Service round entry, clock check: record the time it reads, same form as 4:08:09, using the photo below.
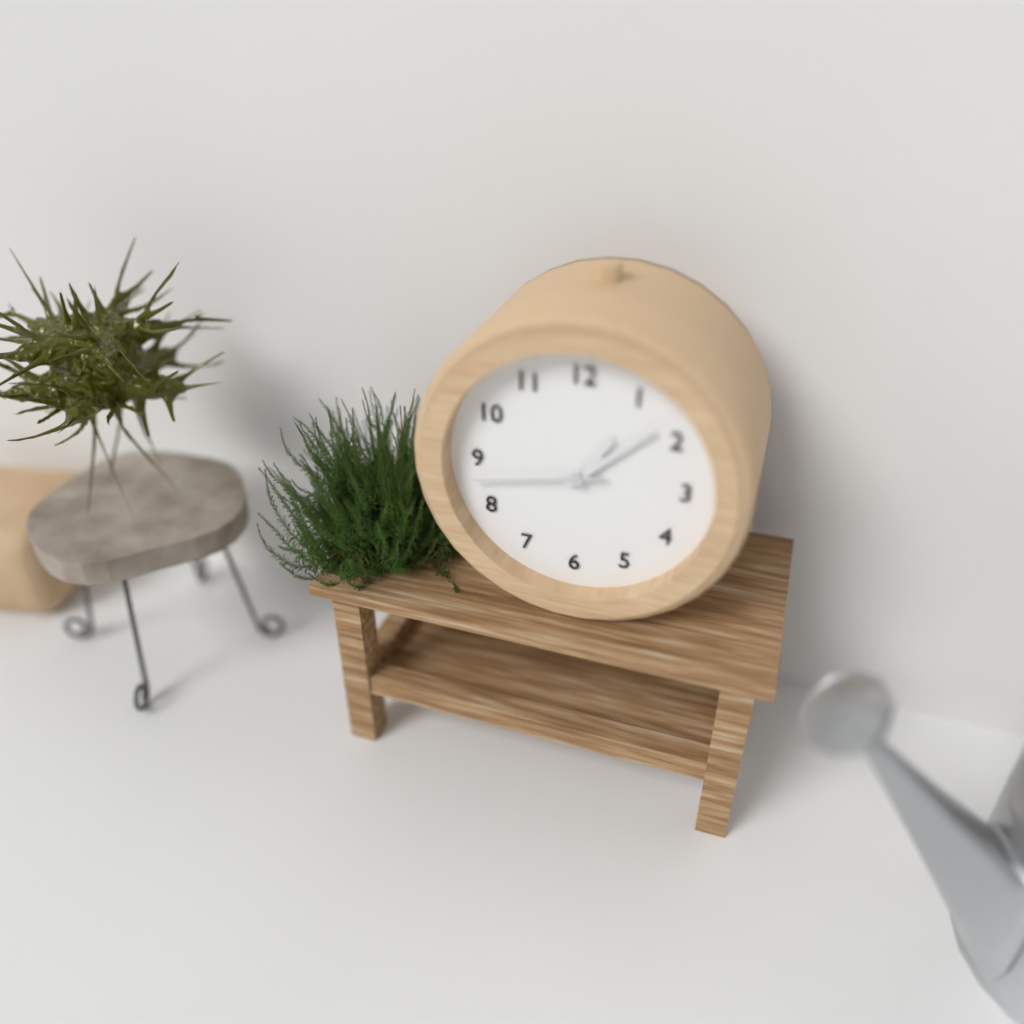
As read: 1:08:43
